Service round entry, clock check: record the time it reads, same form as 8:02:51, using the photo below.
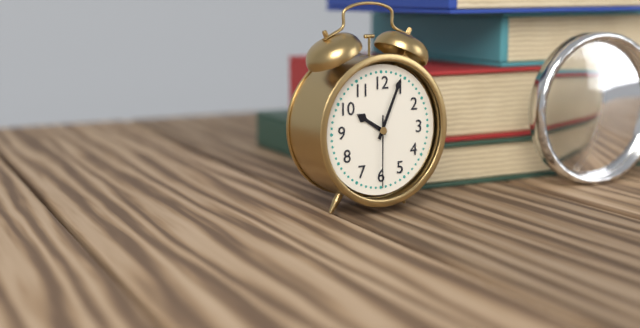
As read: 10:04:30
